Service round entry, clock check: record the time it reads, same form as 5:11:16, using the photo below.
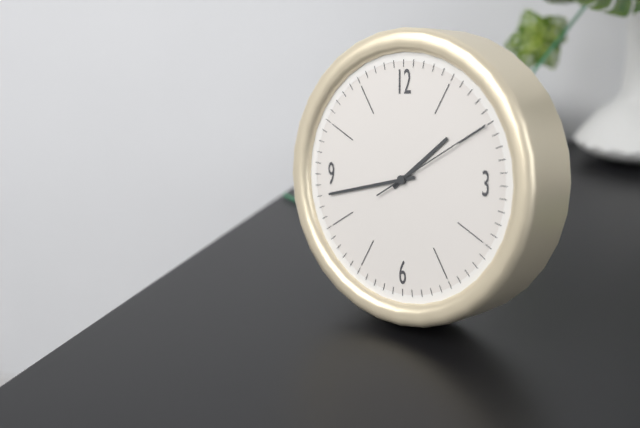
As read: 1:43:10
